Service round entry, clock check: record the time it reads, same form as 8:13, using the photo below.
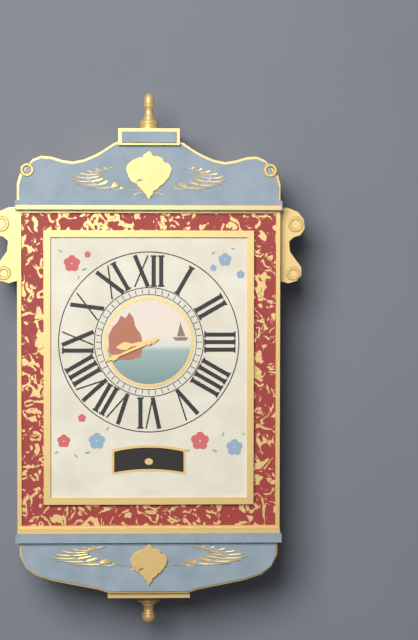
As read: 8:41
